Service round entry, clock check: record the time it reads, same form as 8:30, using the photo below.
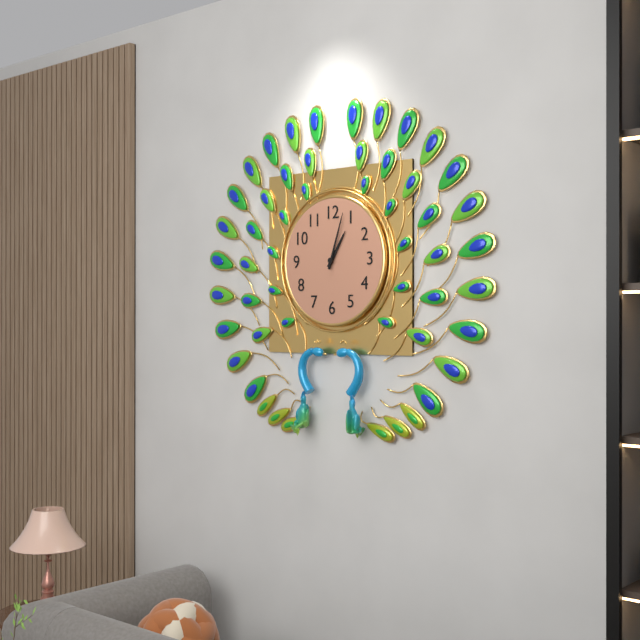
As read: 1:03
